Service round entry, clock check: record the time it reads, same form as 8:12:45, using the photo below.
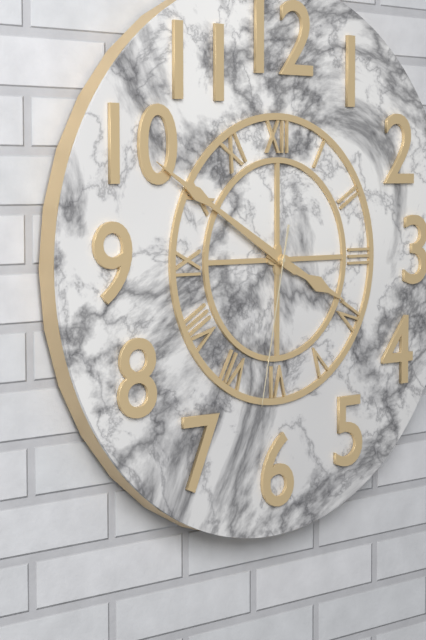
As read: 3:50:32
